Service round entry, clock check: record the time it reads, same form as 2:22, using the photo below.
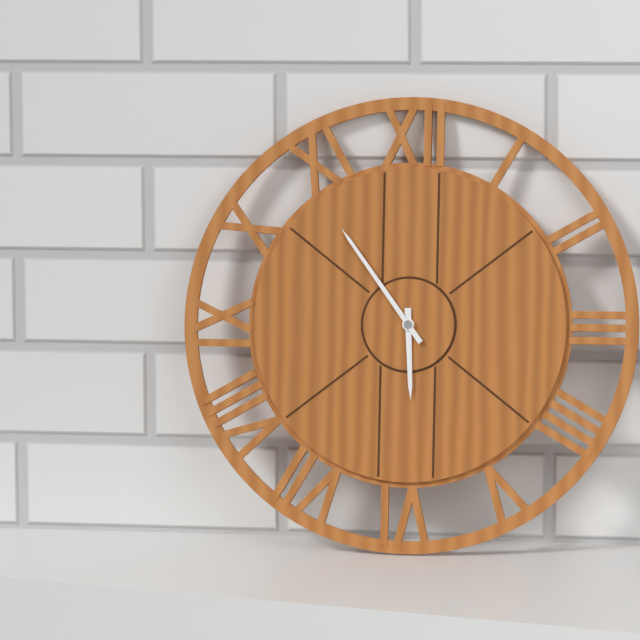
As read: 5:54
